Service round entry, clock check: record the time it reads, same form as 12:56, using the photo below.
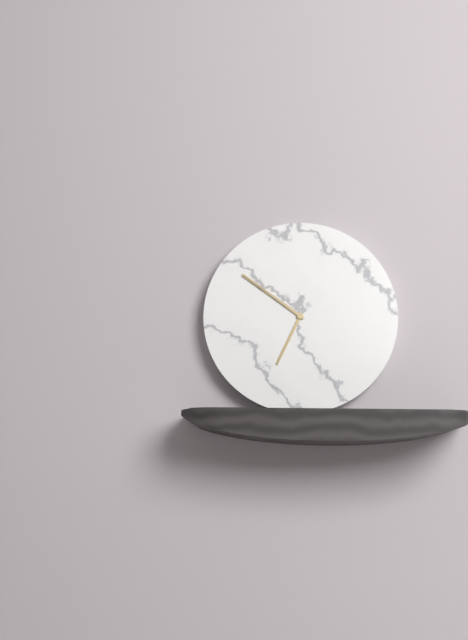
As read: 6:51
